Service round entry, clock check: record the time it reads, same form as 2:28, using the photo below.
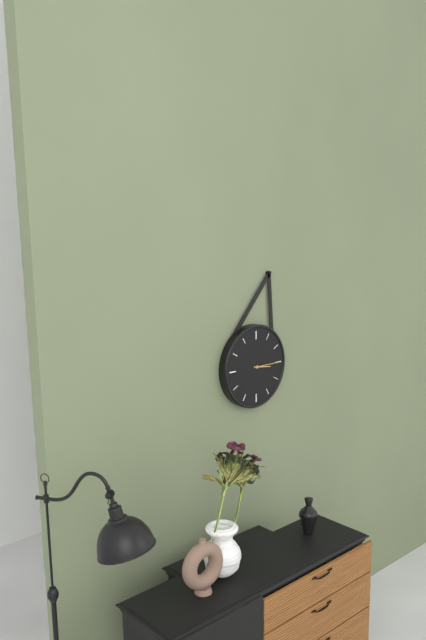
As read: 3:15
